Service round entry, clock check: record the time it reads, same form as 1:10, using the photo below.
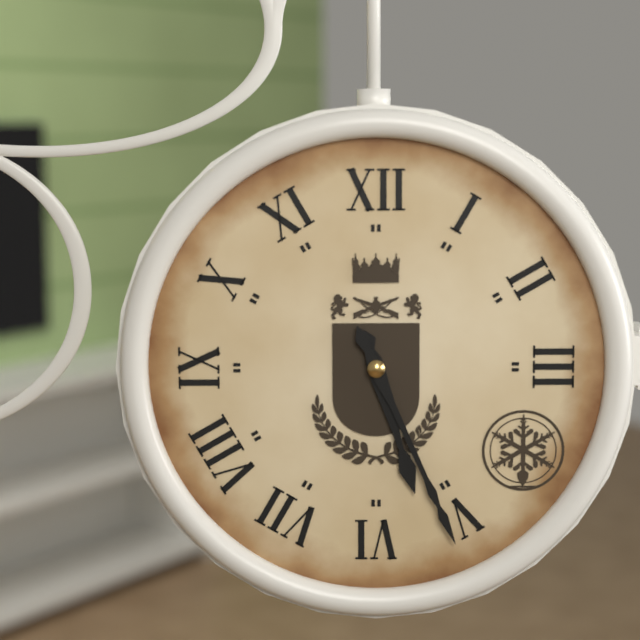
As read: 5:26
